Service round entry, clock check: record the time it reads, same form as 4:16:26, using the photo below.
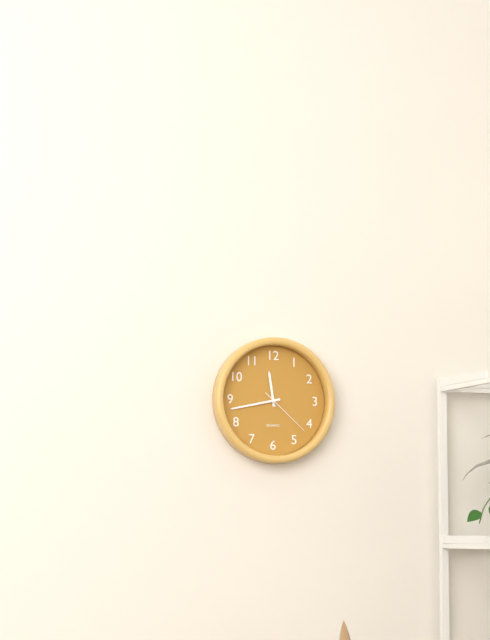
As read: 11:43:22
